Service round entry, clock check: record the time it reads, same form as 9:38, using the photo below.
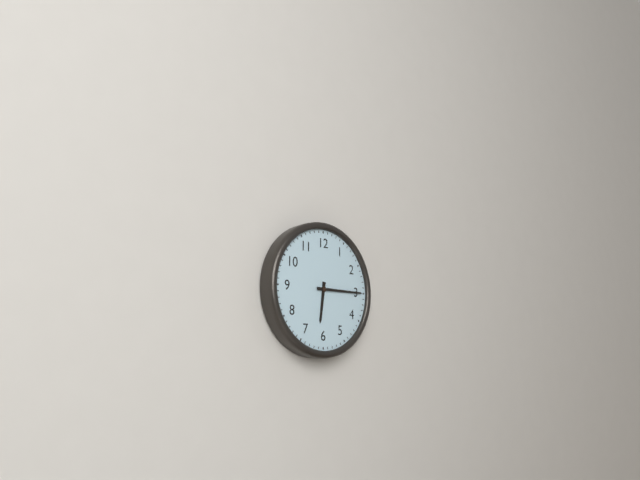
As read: 6:15
